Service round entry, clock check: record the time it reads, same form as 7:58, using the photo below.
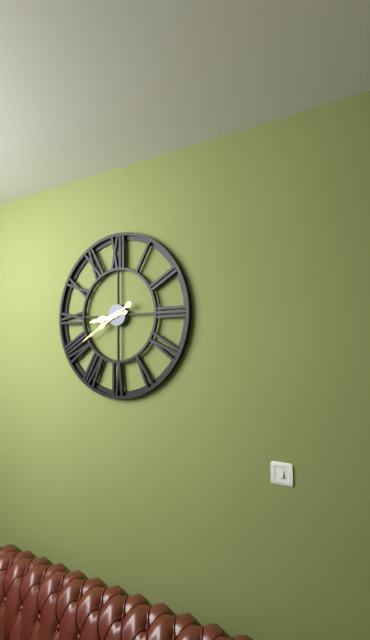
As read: 8:40
